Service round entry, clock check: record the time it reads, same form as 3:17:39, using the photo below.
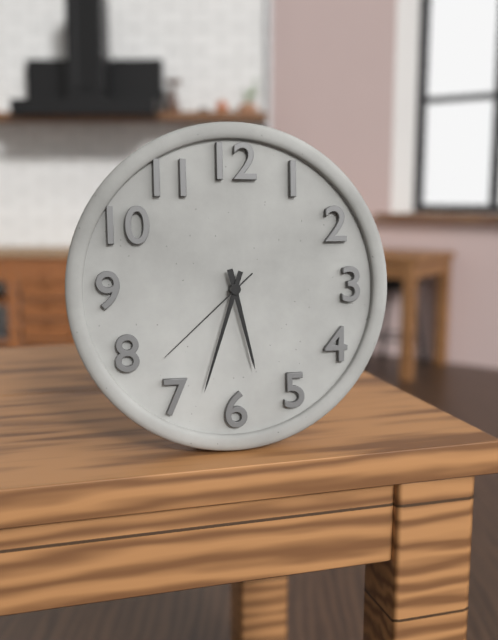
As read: 5:33:38
